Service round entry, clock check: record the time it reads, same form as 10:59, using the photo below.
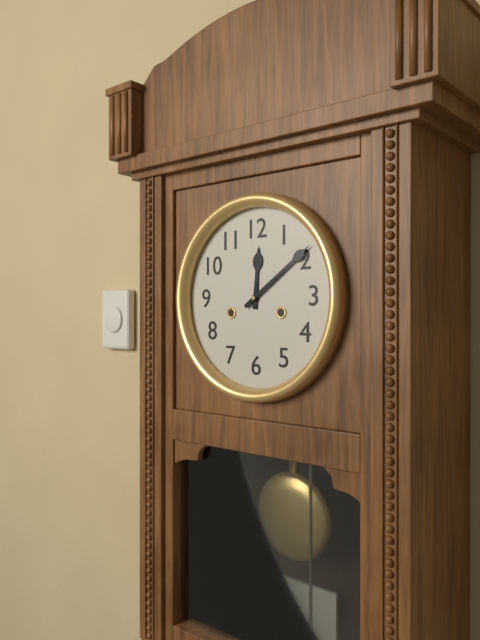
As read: 12:09
